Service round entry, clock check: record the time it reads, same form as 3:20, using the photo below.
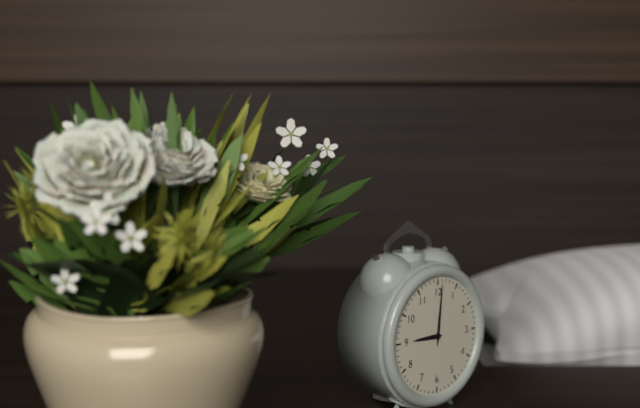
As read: 9:01
